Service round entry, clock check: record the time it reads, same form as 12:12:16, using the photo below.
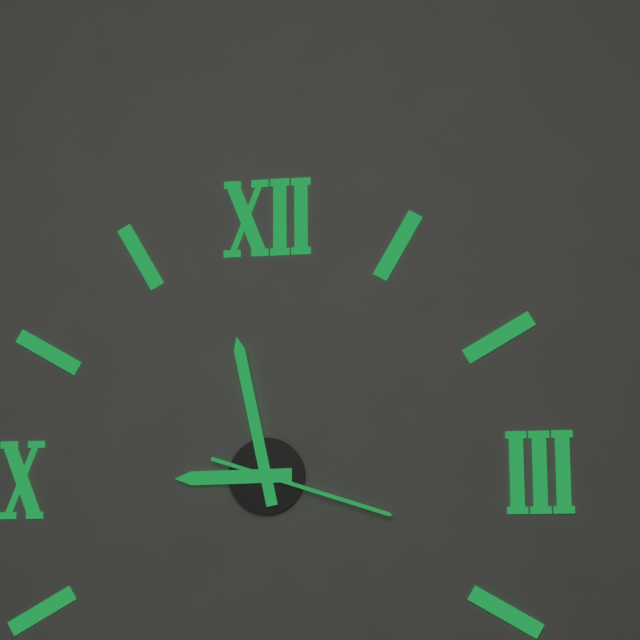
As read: 8:58:18
